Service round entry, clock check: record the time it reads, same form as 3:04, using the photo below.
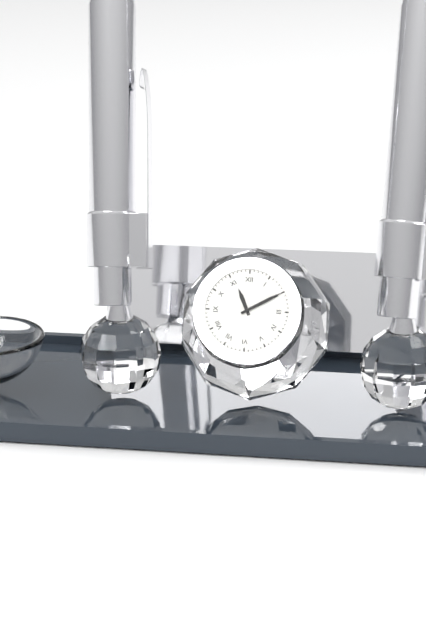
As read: 11:10
